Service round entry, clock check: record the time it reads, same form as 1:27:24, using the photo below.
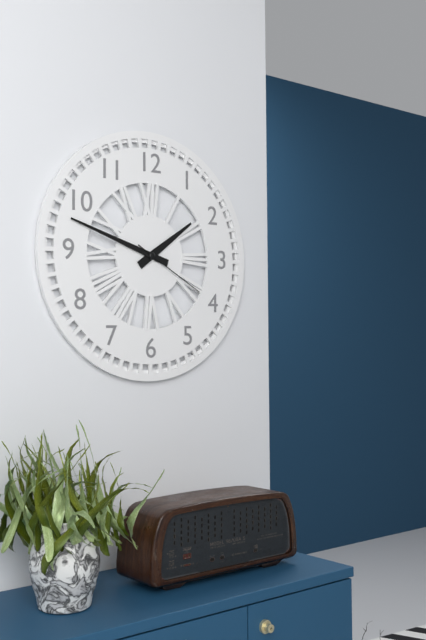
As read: 1:48:20
